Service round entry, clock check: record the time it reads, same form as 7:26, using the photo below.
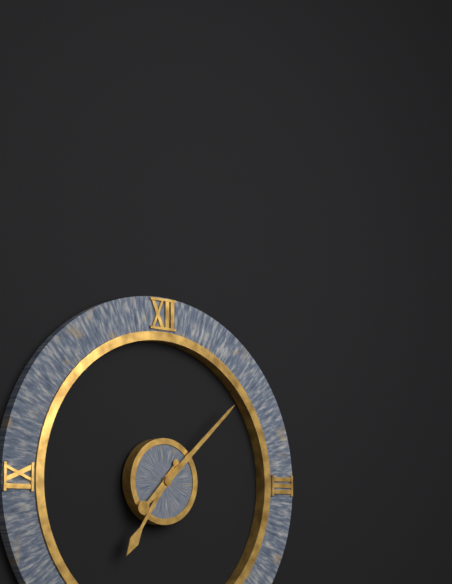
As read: 7:08
